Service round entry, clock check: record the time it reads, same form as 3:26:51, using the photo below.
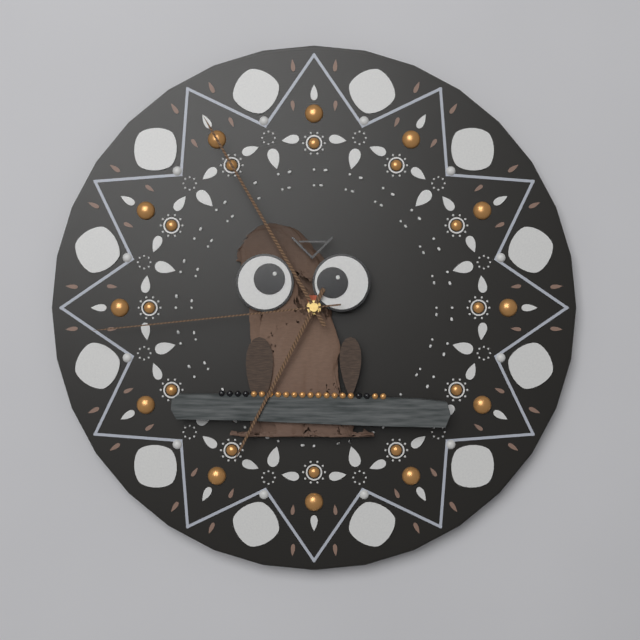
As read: 6:55:44
